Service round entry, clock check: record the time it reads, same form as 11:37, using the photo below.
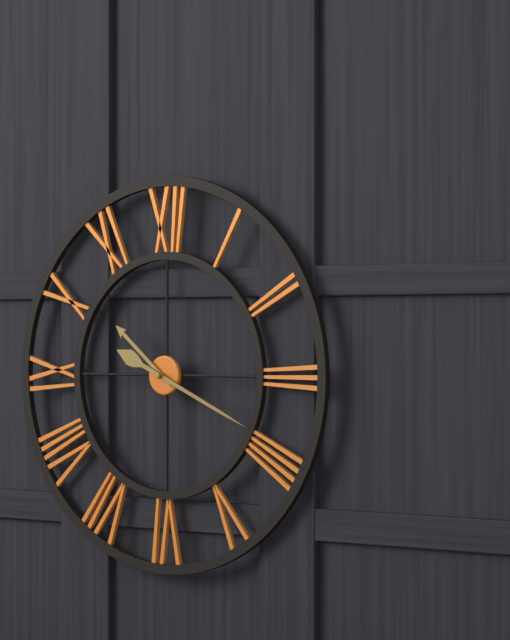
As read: 10:19
